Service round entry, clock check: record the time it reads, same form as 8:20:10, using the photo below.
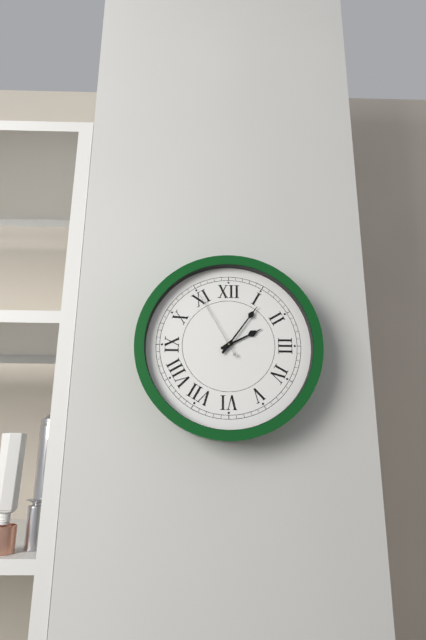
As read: 2:06:55
